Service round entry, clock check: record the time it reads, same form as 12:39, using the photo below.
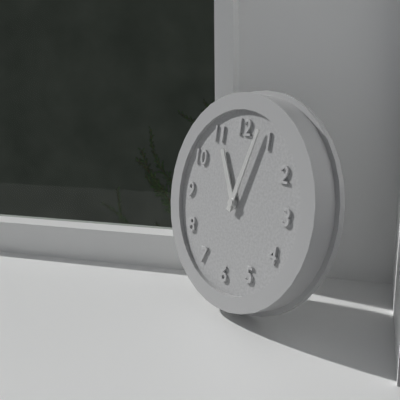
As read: 11:03
